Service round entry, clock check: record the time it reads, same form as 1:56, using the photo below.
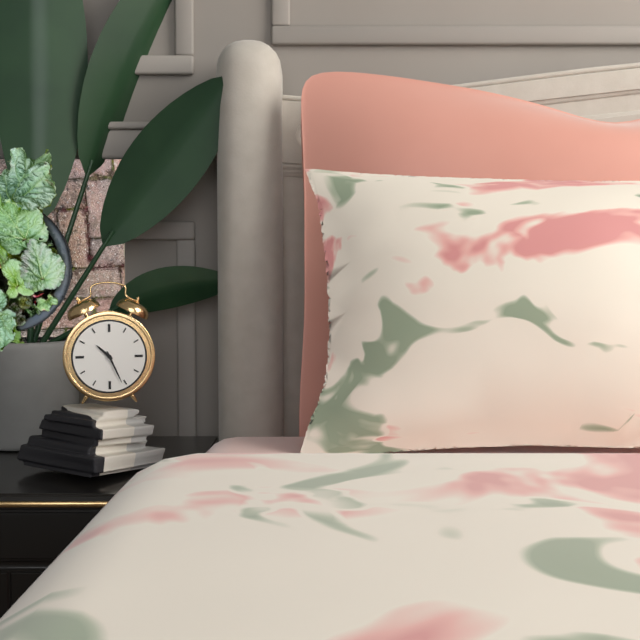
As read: 10:26
